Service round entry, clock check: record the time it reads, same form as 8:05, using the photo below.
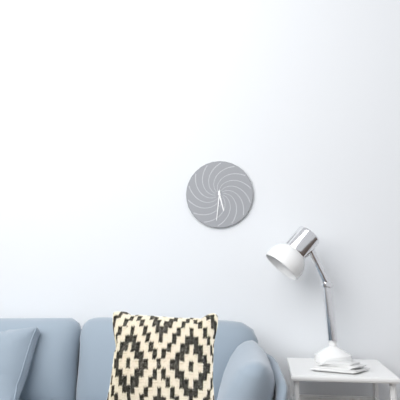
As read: 5:31
